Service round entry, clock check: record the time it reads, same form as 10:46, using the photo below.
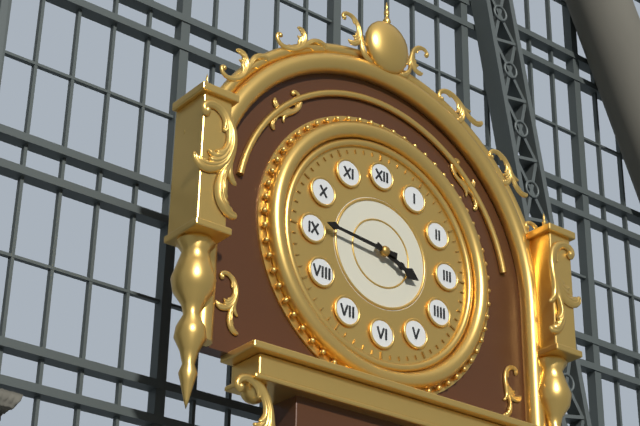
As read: 3:46
